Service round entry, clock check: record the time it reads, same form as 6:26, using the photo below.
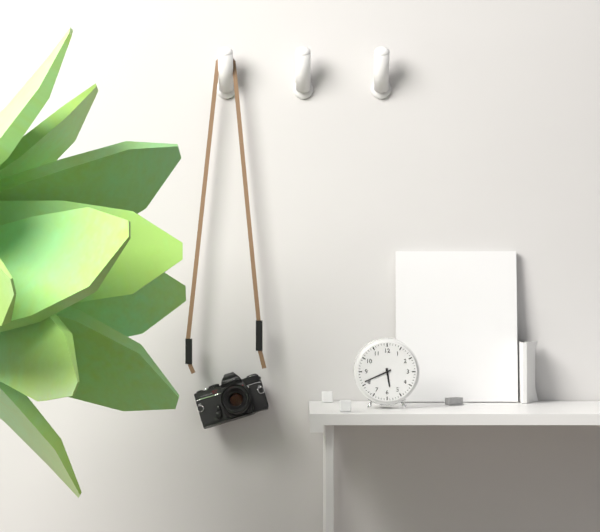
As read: 5:41
